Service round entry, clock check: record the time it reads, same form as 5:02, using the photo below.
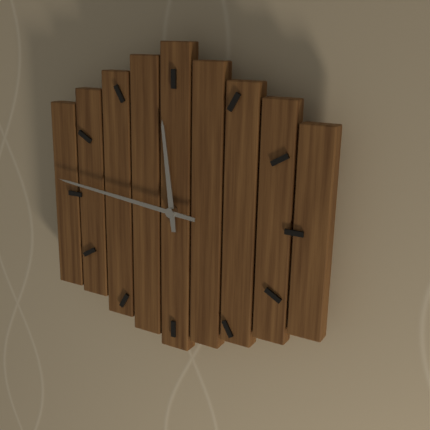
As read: 11:46
